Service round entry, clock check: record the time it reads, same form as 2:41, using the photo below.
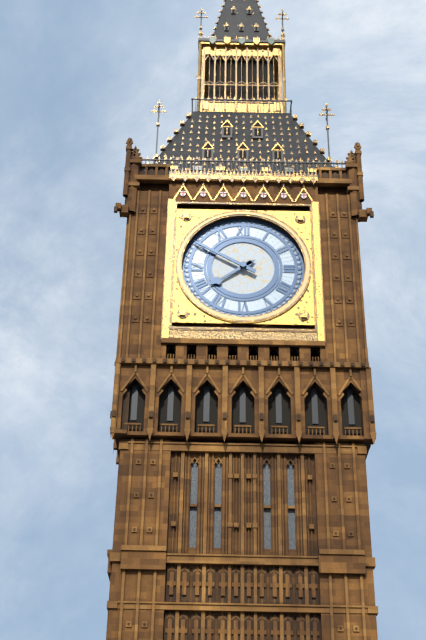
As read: 7:50
